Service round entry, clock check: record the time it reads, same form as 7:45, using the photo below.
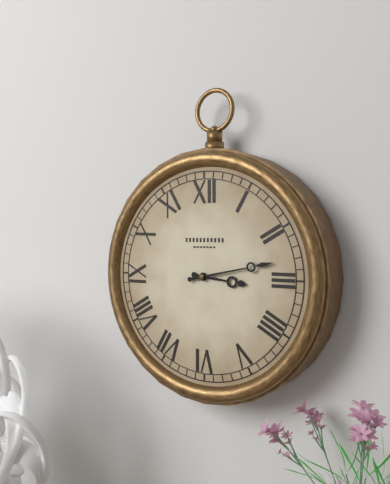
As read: 3:13
